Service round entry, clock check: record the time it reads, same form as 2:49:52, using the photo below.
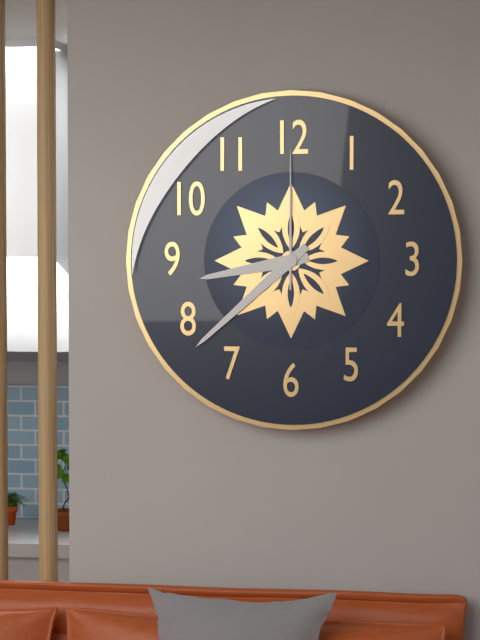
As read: 8:38:00
